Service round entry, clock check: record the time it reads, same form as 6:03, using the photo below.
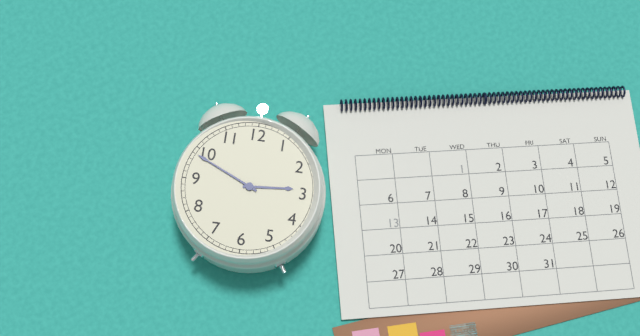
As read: 2:49
